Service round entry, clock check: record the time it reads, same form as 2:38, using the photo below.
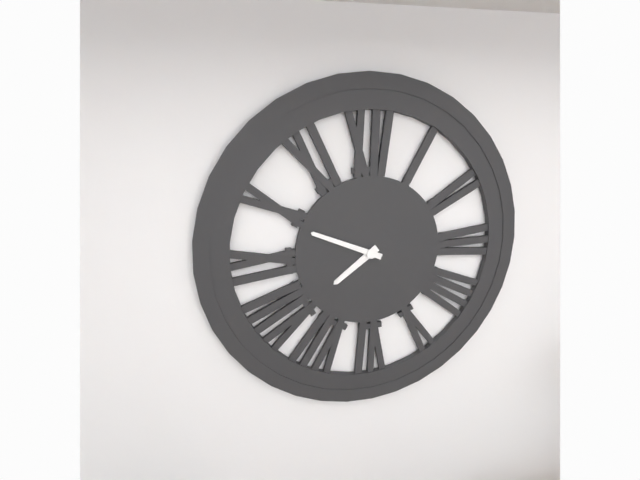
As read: 7:49
